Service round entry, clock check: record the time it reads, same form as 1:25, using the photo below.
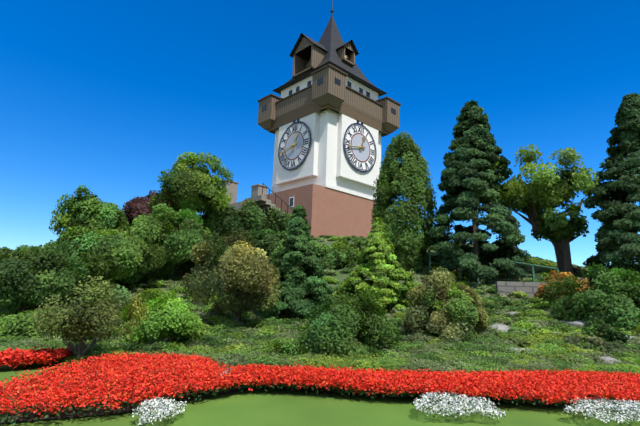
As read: 12:43
